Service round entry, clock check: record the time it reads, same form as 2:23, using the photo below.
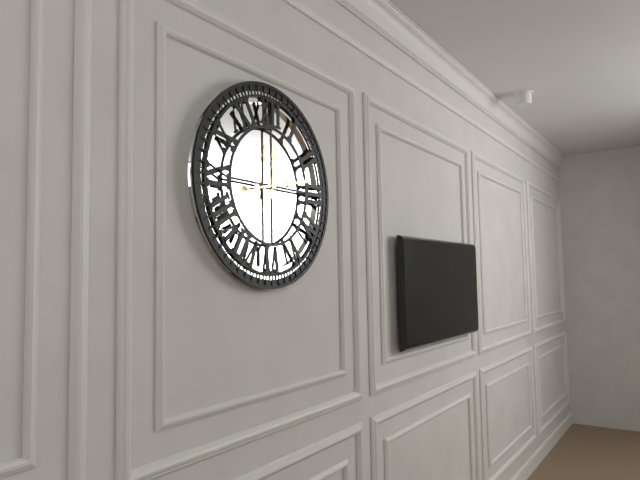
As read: 12:13
